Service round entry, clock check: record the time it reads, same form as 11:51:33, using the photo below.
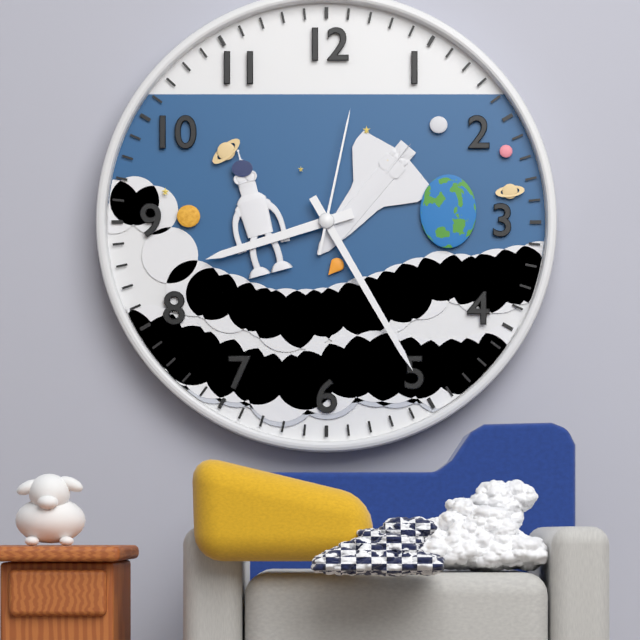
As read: 8:25:02
